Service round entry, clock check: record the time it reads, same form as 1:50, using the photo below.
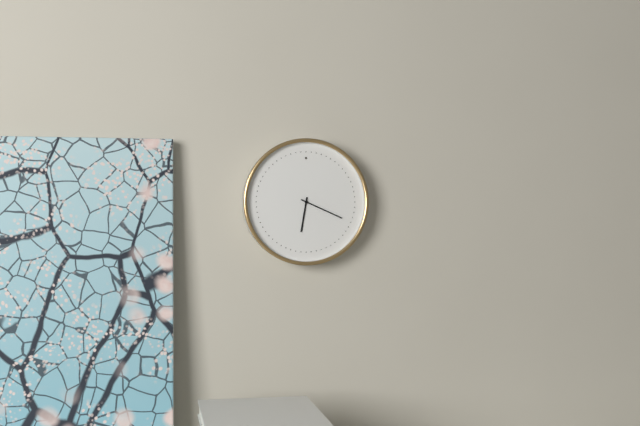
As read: 6:19
